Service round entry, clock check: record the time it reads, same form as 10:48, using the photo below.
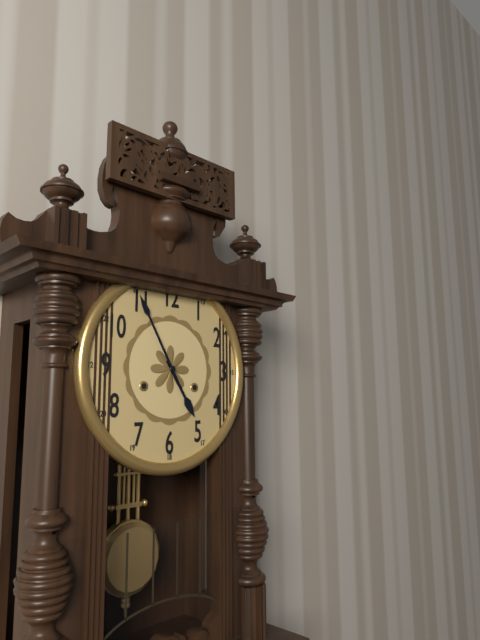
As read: 4:55
